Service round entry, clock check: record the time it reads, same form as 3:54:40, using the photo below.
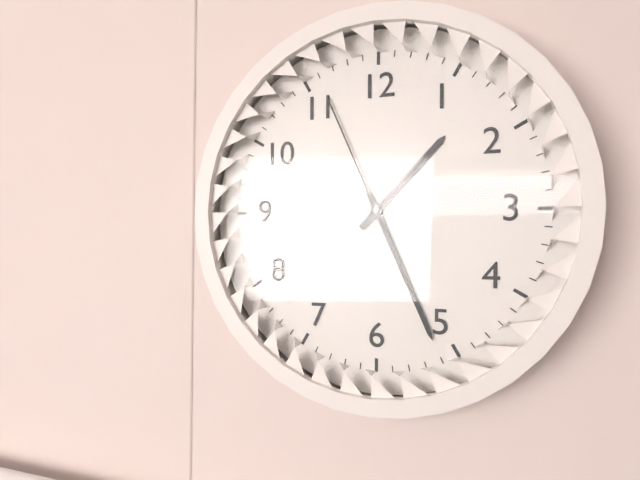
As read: 1:26:56
